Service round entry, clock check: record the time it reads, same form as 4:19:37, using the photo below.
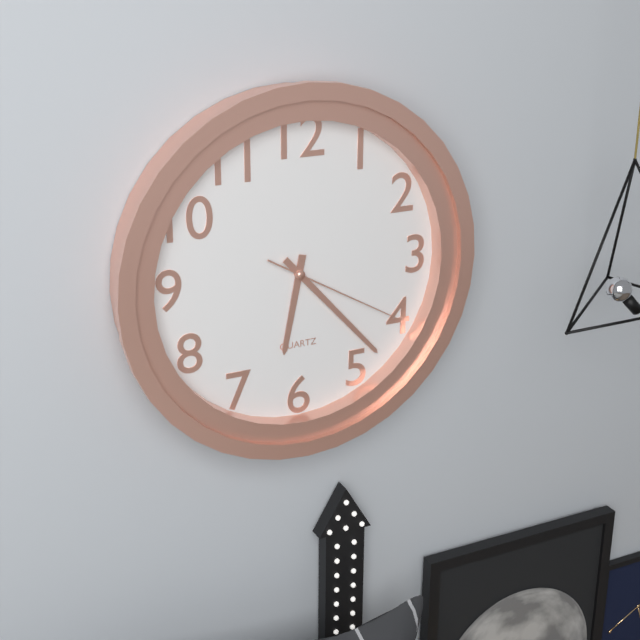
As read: 6:23:20
